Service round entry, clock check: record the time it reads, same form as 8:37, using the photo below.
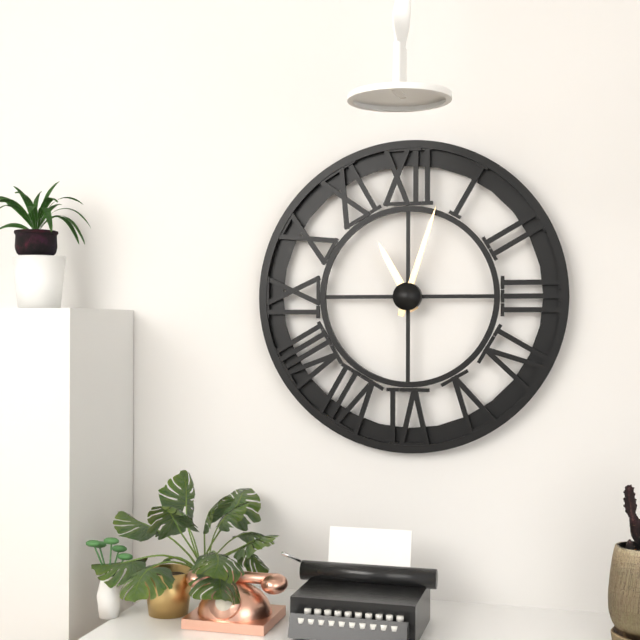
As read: 11:03
